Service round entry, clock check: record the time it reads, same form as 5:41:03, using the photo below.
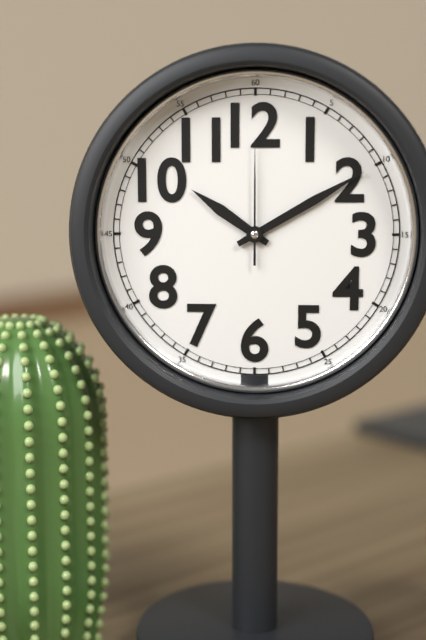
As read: 10:10:00
